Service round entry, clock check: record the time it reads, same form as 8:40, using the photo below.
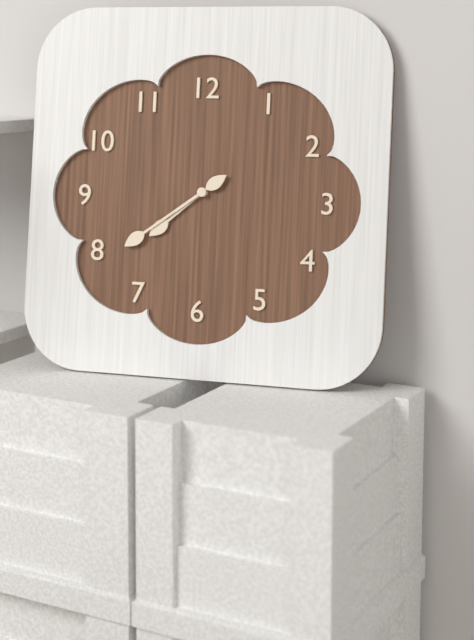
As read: 7:39
